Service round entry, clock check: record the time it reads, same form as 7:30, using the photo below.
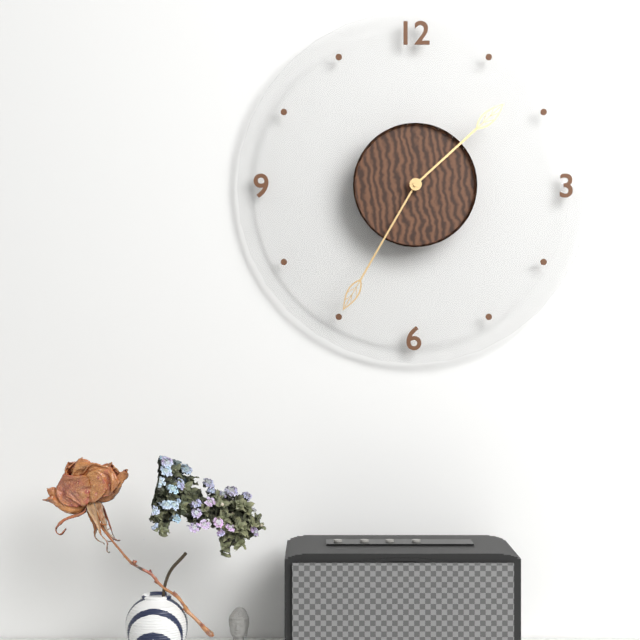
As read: 1:35
